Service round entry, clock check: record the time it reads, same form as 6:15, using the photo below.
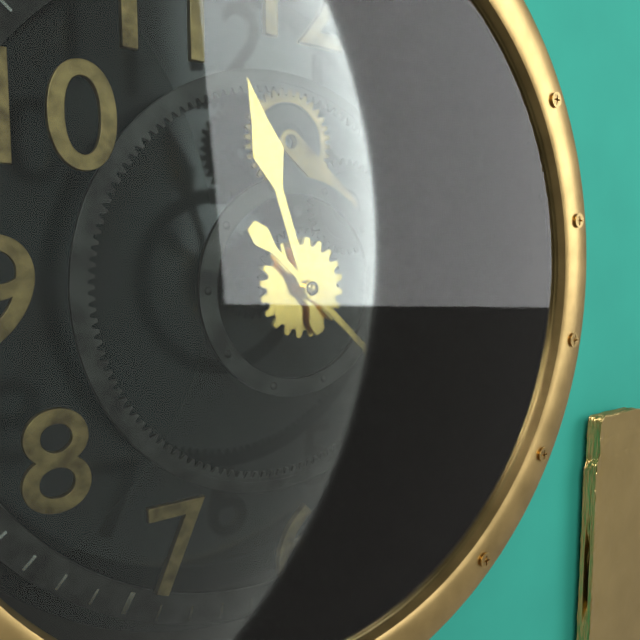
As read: 11:22
